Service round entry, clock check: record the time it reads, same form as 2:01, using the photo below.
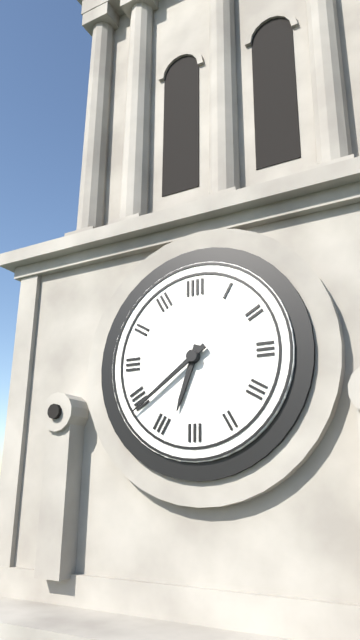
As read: 6:39
